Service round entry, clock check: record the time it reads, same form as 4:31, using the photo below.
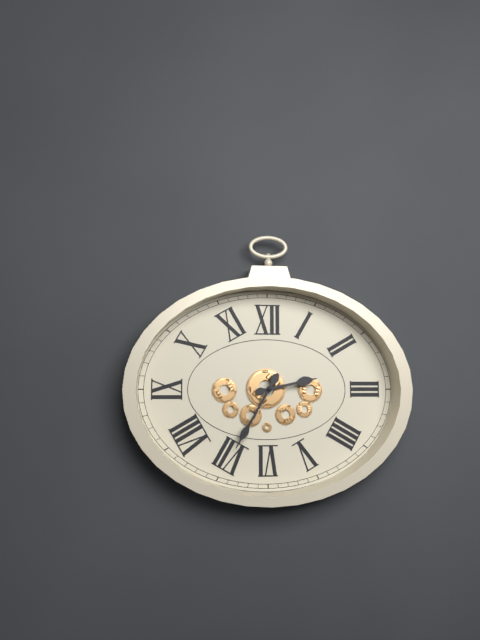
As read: 2:35
